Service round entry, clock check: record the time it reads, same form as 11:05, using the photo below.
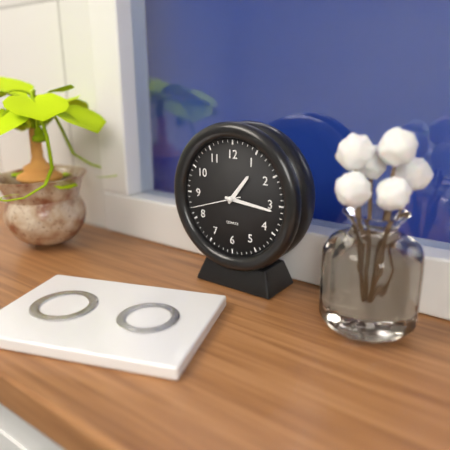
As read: 1:16
